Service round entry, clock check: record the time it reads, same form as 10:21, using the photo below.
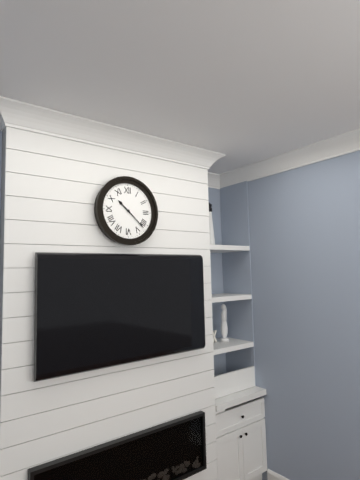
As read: 10:22
